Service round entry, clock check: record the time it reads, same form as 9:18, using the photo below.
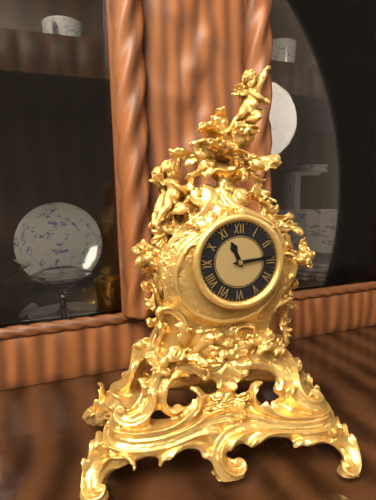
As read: 11:14
